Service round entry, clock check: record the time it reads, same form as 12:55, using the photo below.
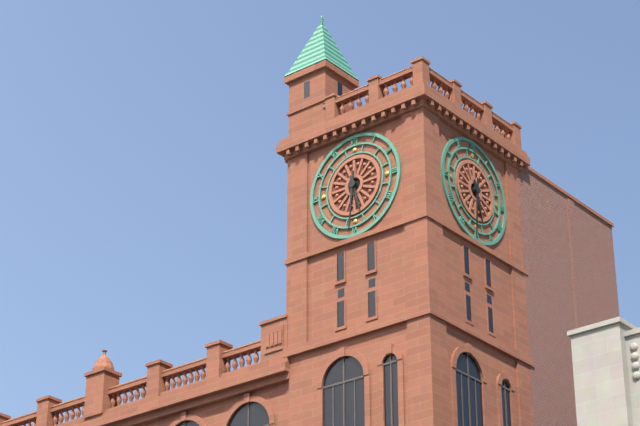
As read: 5:31
